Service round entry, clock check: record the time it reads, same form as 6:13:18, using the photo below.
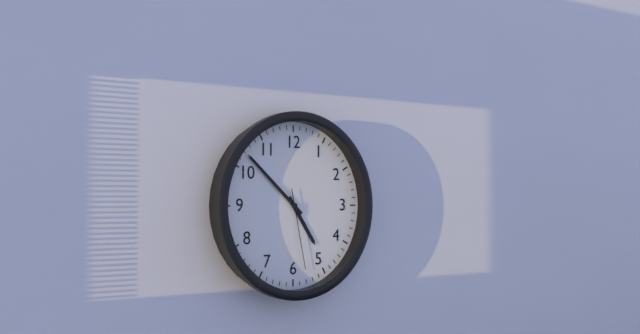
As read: 4:52:28
